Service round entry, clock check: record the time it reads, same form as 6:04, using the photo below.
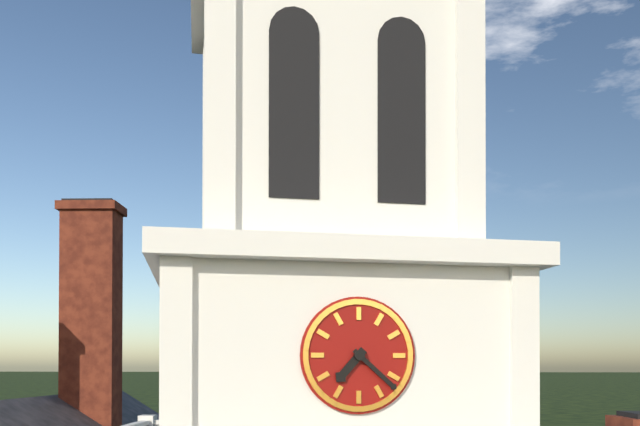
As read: 7:22
